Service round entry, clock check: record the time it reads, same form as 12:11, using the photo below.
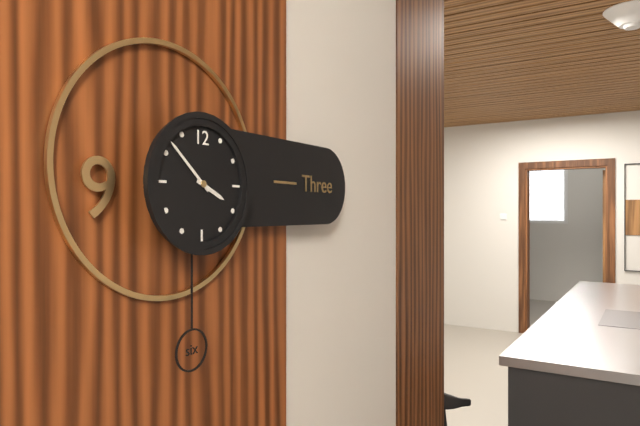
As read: 3:52
